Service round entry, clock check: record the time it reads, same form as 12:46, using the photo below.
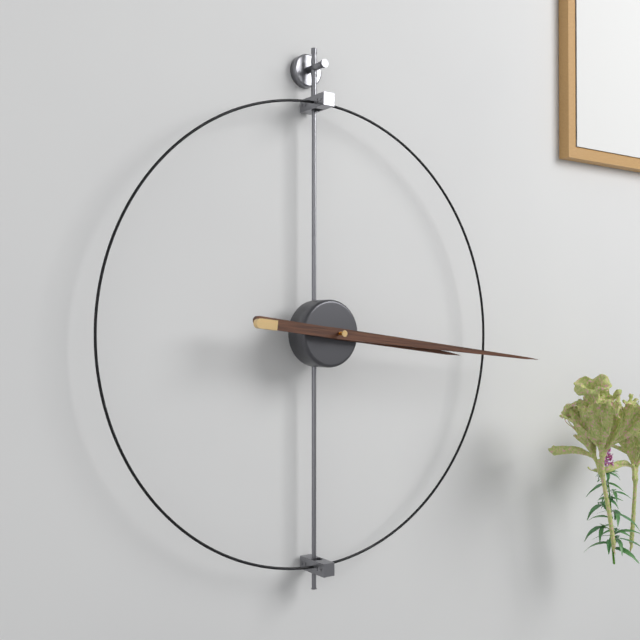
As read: 3:16
